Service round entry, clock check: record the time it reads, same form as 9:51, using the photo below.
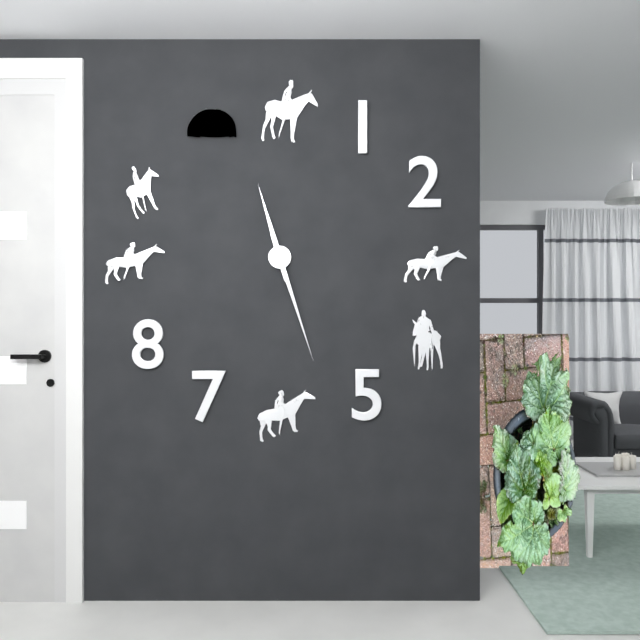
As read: 11:27
